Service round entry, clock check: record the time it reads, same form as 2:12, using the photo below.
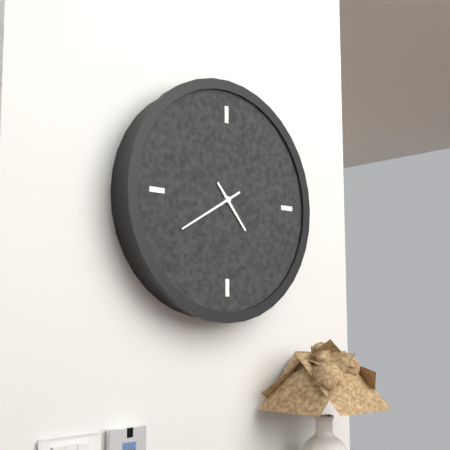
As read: 4:40
